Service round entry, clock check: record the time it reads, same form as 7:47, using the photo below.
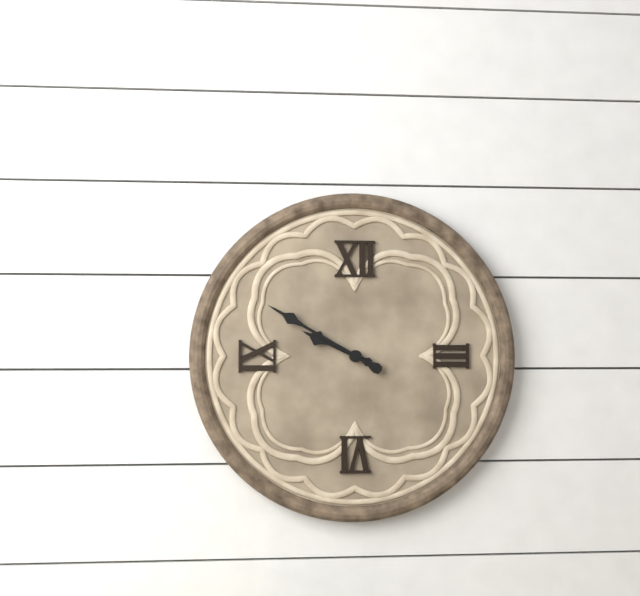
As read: 9:50
